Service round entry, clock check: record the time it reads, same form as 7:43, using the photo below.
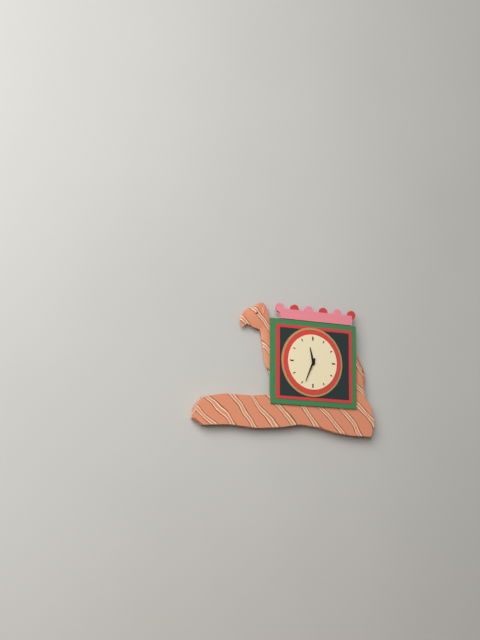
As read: 11:34
